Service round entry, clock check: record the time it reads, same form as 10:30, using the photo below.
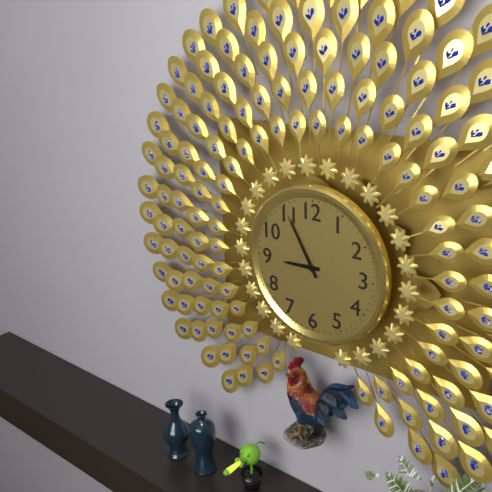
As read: 8:55
